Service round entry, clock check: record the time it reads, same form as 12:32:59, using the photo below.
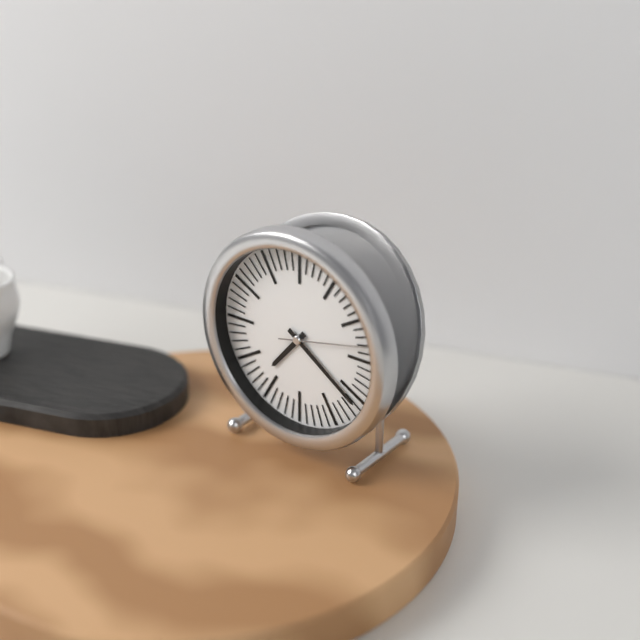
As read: 7:21:13
